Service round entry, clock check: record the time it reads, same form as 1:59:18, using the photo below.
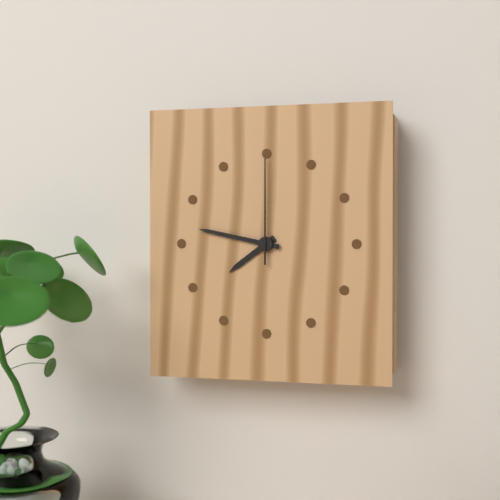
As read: 7:47:00
